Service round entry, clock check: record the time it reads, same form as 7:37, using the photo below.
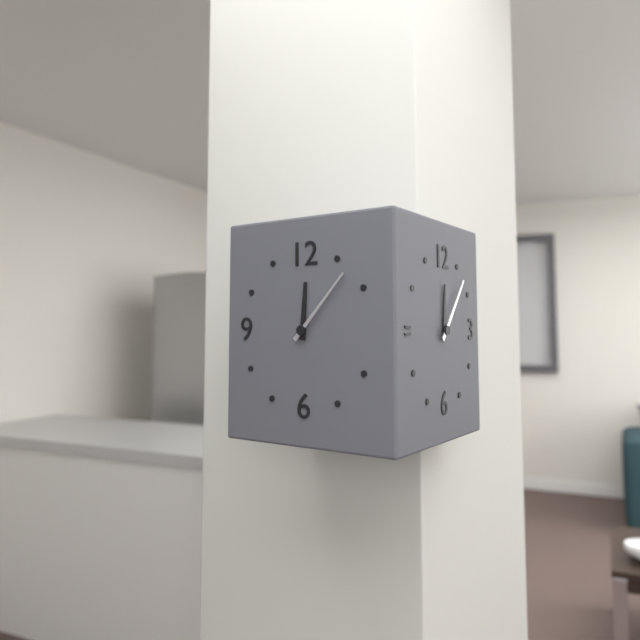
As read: 12:07
